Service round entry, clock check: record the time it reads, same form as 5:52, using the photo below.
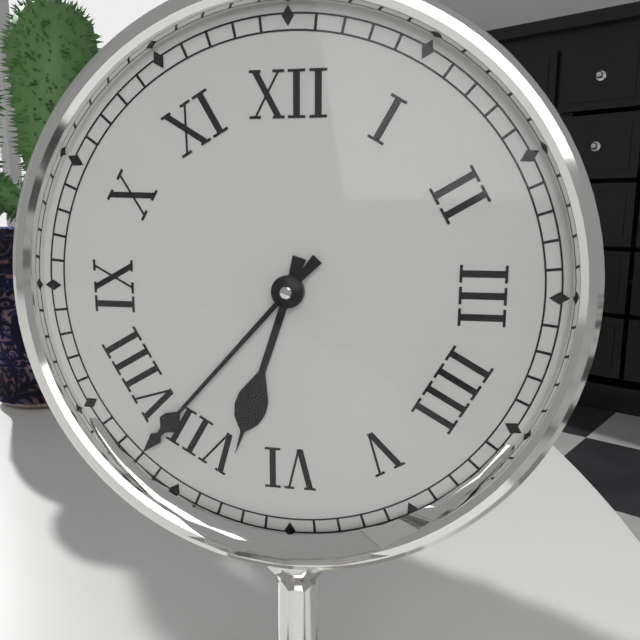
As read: 6:37
